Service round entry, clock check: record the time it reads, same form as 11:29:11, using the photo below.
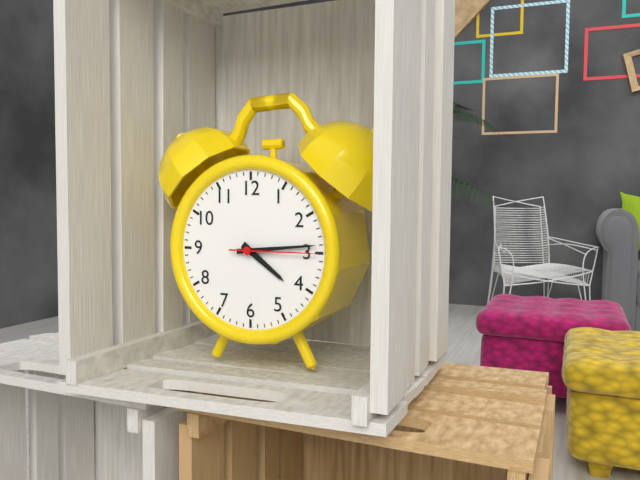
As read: 4:14:15
